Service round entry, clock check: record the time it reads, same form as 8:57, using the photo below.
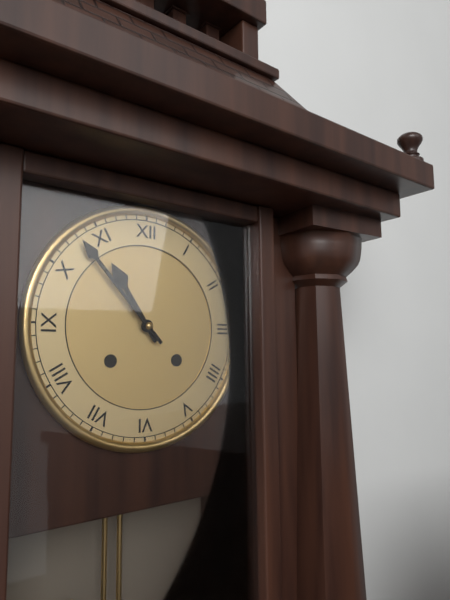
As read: 10:53
